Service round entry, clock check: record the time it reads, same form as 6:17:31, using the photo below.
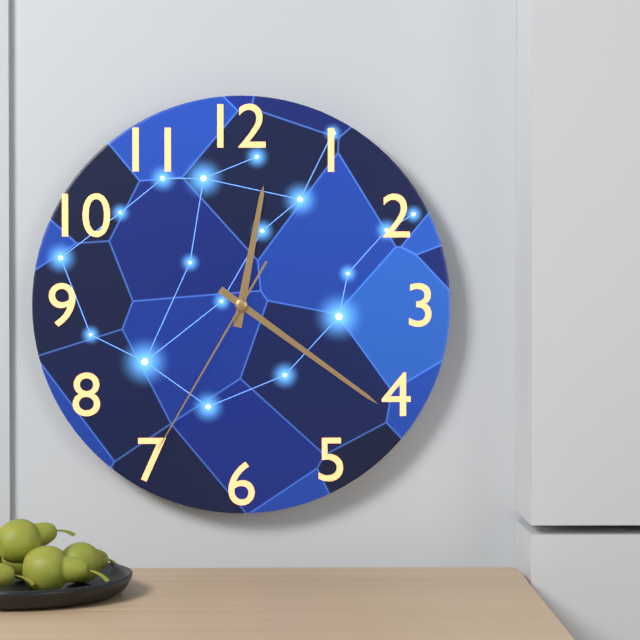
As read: 12:21:35
